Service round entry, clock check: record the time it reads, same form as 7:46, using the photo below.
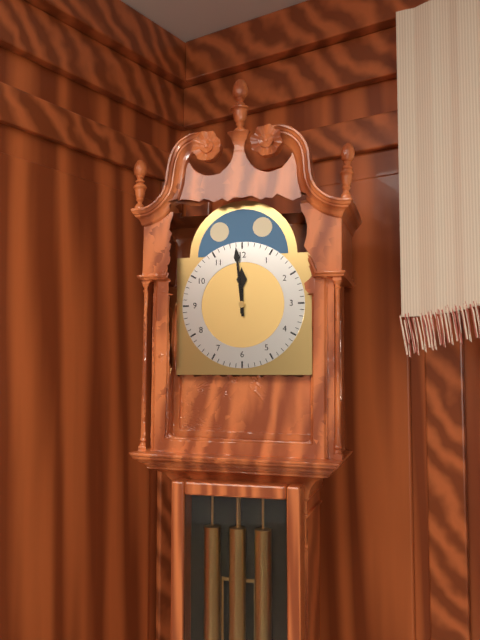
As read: 11:59
